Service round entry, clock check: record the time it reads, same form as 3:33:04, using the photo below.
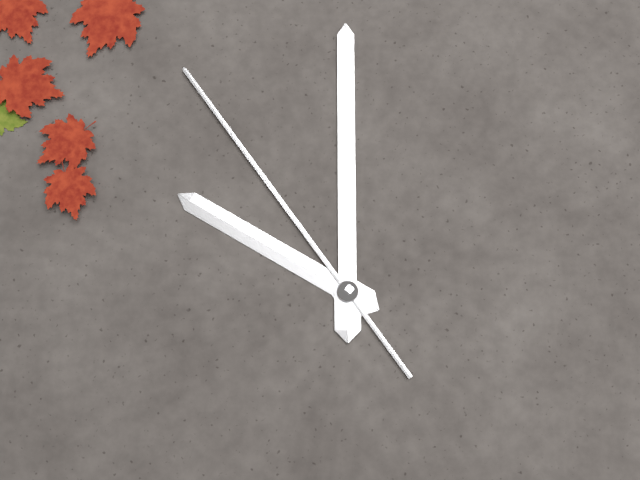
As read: 10:00:54
